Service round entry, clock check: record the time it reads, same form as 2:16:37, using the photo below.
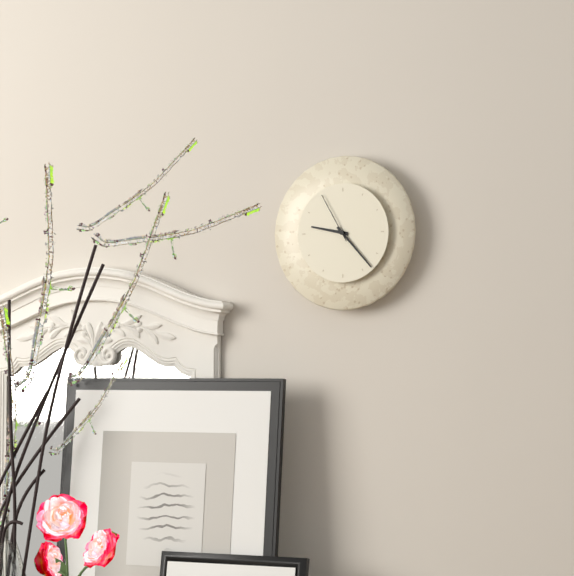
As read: 9:23:55
